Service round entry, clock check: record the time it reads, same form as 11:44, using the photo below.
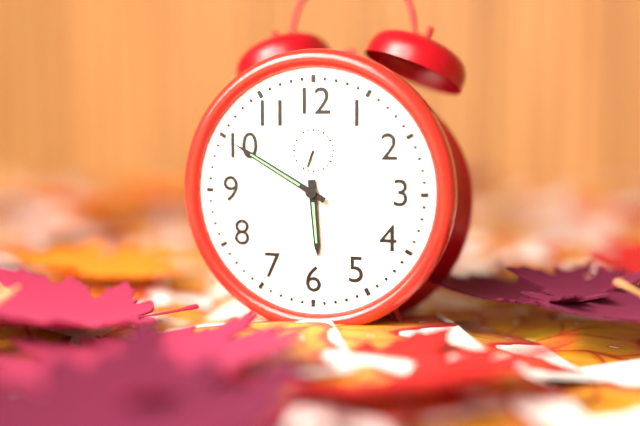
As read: 5:50
